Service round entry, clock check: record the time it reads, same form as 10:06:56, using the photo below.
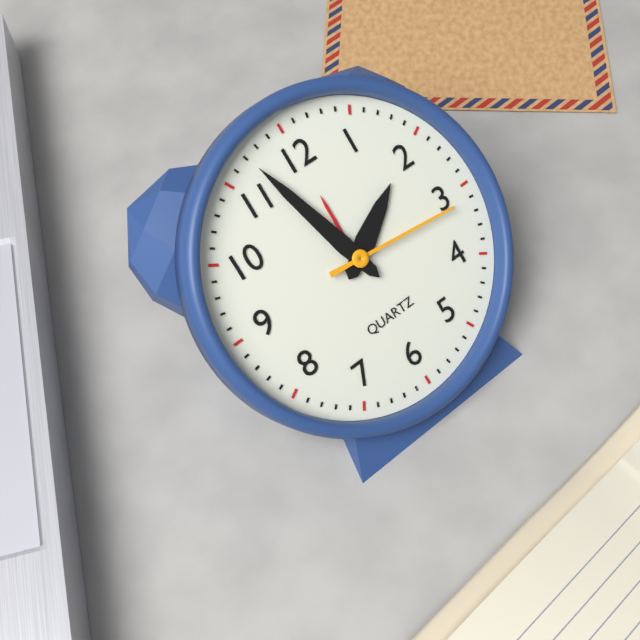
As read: 1:57:16
